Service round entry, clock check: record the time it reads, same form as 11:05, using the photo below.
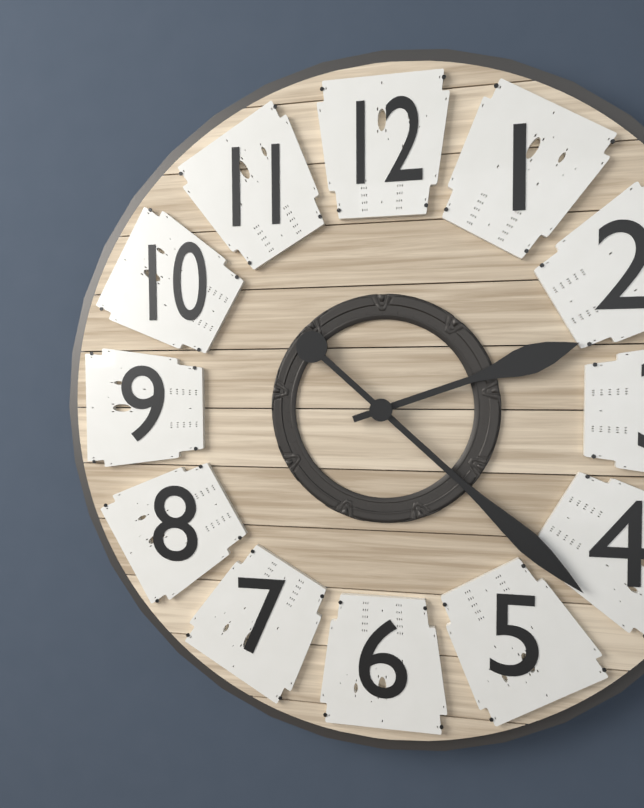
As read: 2:22
